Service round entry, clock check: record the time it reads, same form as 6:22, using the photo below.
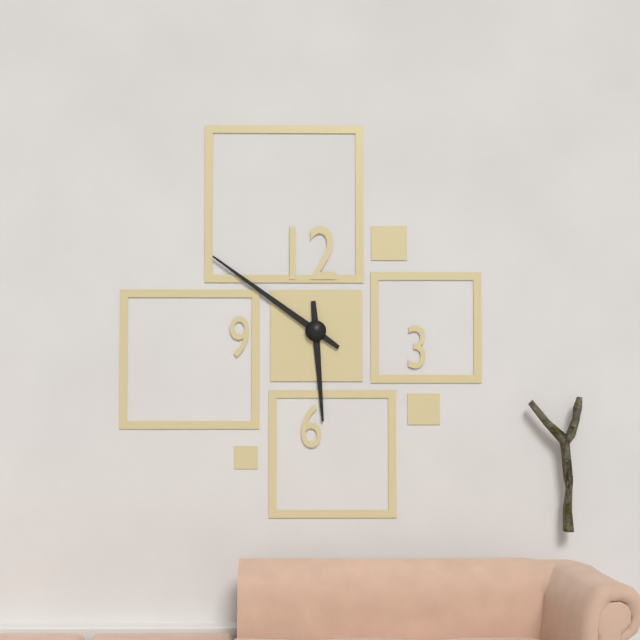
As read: 5:51
